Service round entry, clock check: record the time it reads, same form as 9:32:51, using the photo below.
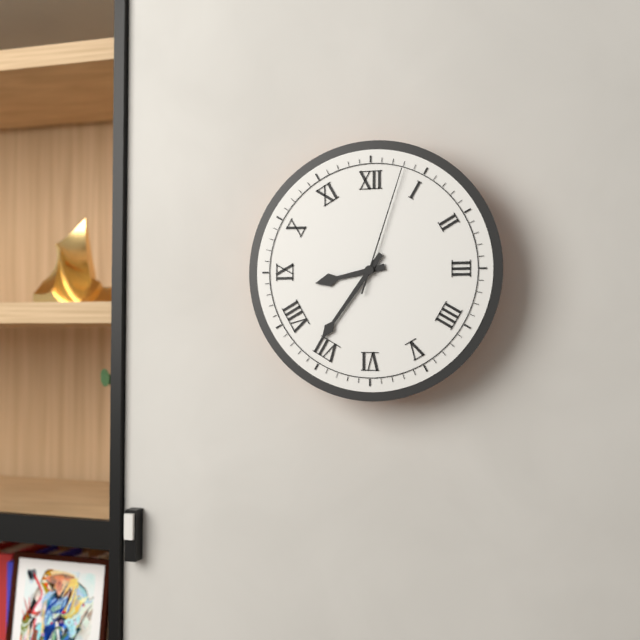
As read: 8:36:03
